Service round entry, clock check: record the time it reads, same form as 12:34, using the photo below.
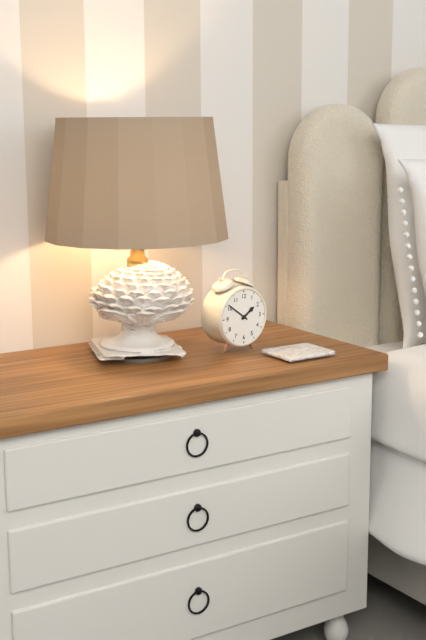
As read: 1:51
